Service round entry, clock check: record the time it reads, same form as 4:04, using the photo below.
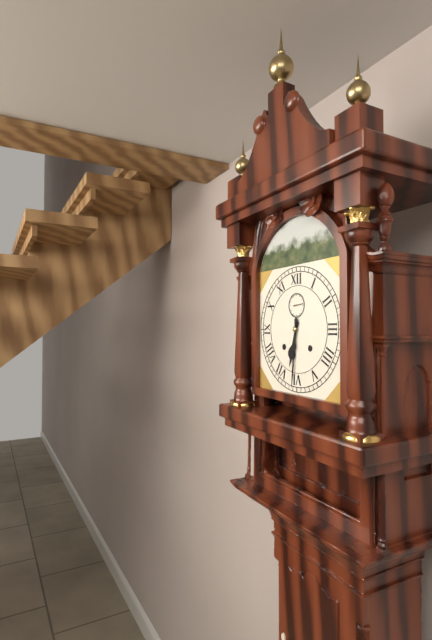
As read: 6:31
